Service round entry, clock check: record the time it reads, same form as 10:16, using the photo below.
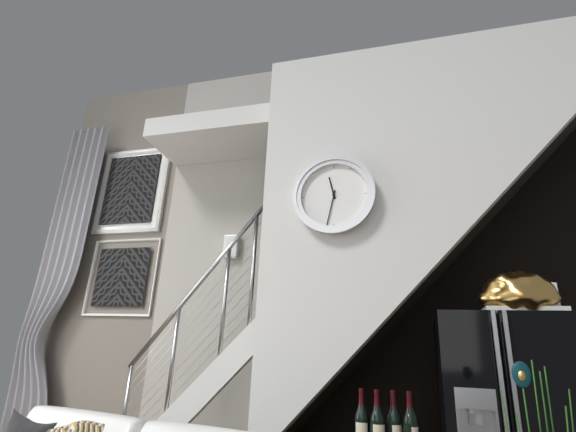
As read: 11:32
